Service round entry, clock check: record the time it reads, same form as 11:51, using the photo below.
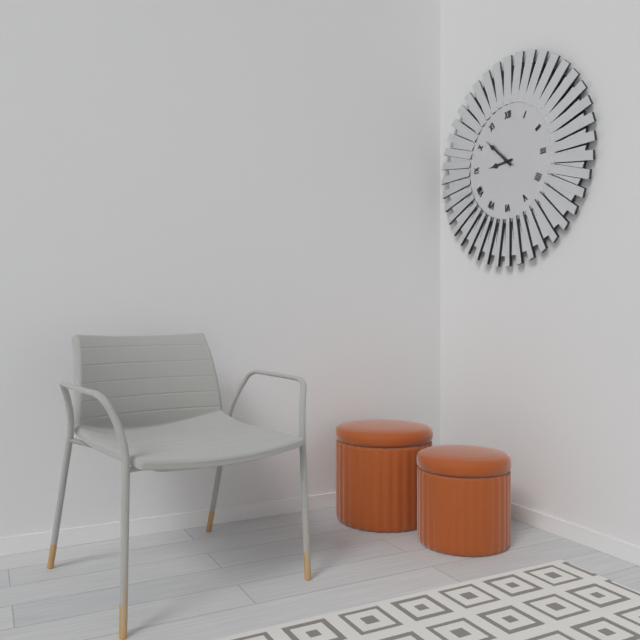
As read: 8:52
